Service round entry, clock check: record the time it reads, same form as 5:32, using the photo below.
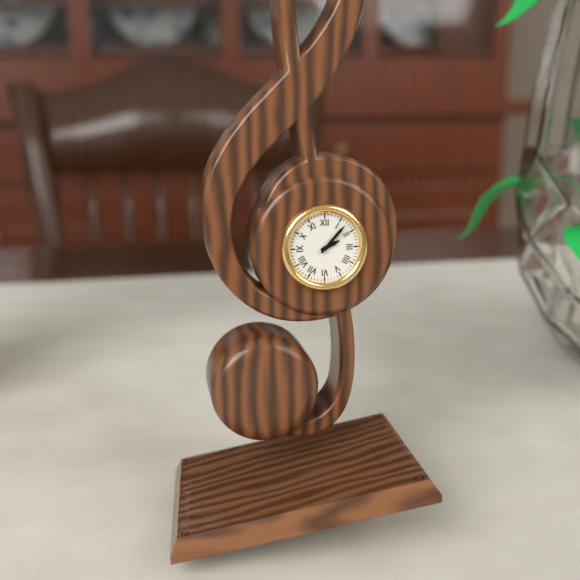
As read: 2:07
